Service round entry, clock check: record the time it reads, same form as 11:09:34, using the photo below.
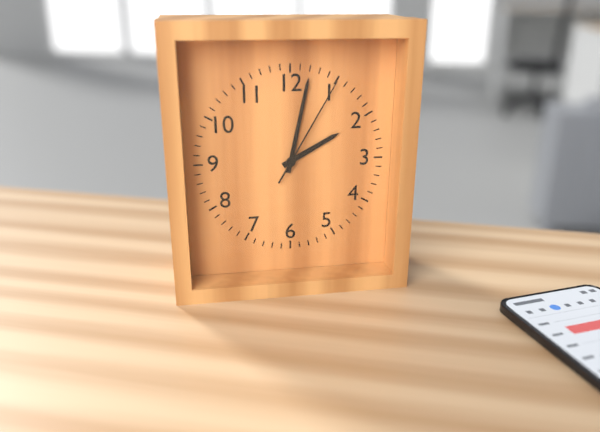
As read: 2:02:05
